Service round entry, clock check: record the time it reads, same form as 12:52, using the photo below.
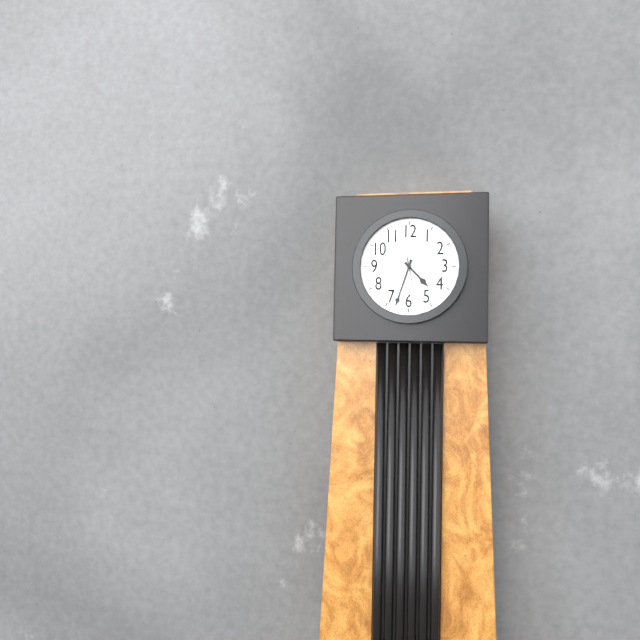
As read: 4:33
